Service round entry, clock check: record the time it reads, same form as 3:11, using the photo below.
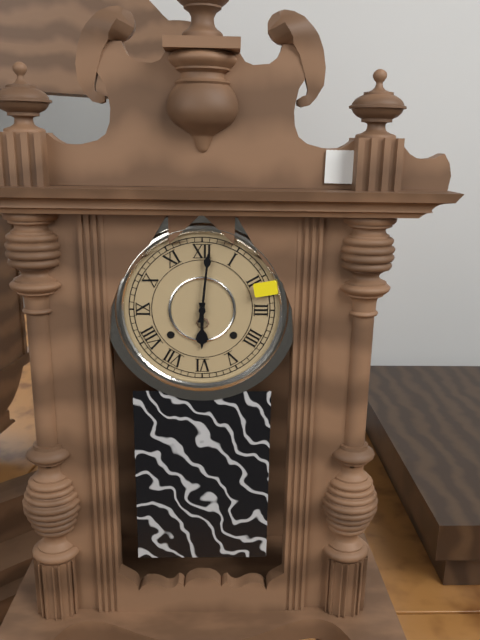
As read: 6:01
